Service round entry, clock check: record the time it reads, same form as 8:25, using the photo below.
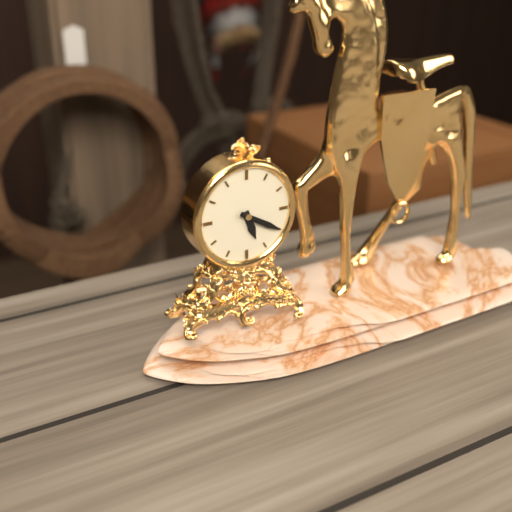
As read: 5:20
